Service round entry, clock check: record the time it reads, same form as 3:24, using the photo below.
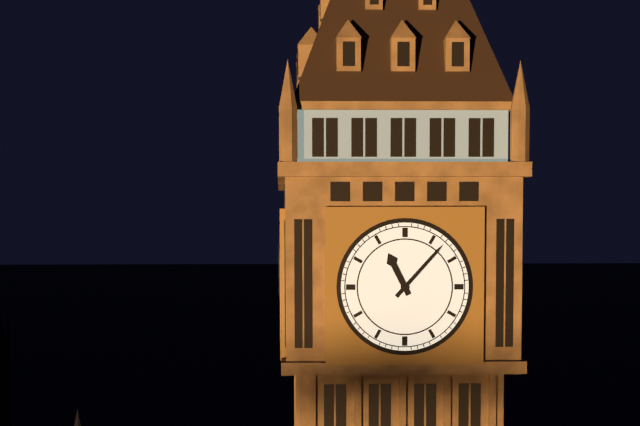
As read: 11:07
